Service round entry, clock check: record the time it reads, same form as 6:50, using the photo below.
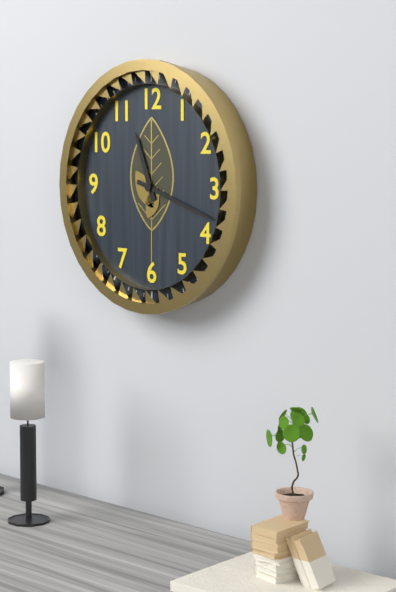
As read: 11:18
